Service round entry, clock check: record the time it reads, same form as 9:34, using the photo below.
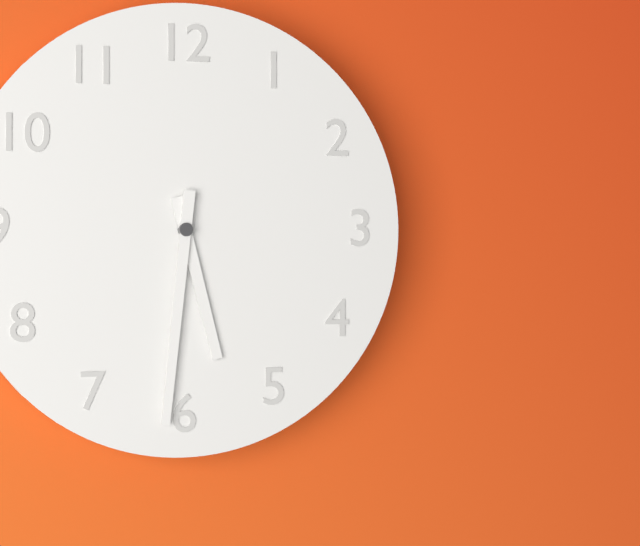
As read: 5:31
